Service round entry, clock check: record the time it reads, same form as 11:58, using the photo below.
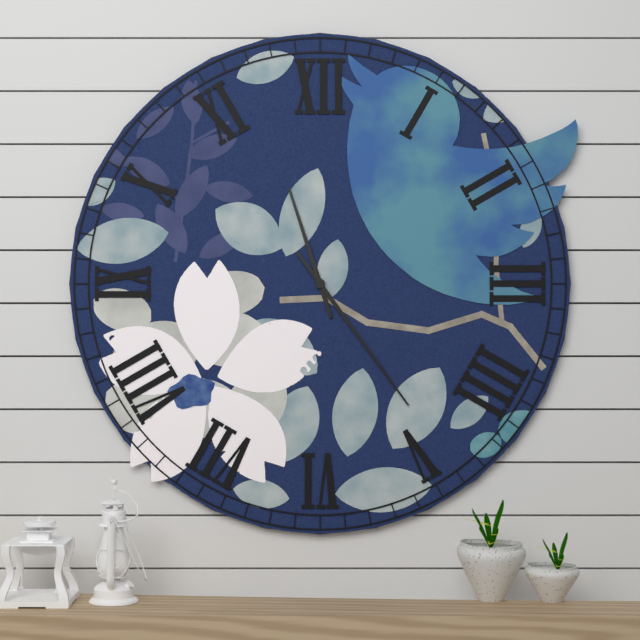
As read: 11:24
